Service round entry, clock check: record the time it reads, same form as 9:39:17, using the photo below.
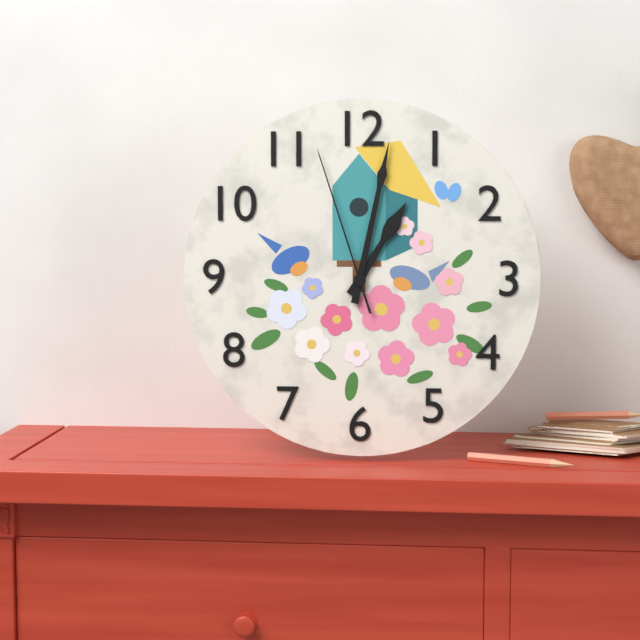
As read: 1:02:57
